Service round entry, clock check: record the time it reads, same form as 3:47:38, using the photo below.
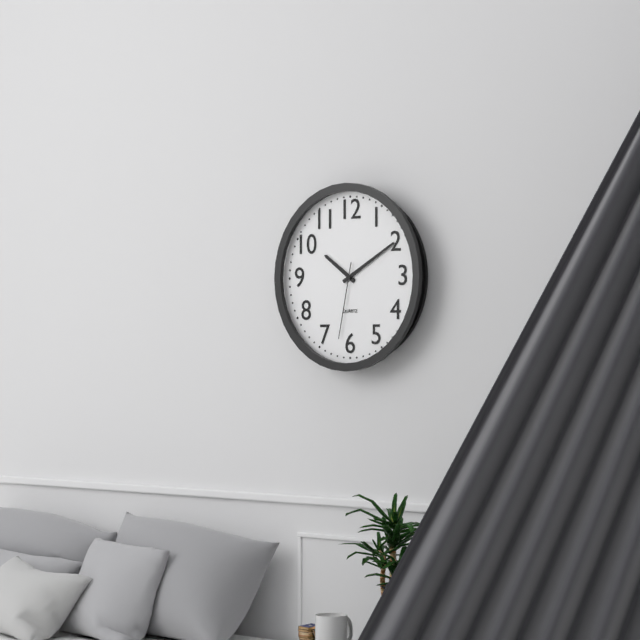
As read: 10:10:32
